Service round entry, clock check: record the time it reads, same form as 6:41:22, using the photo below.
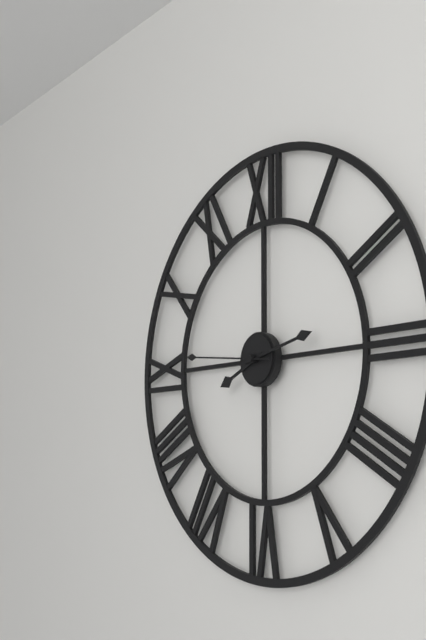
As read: 8:13:46
